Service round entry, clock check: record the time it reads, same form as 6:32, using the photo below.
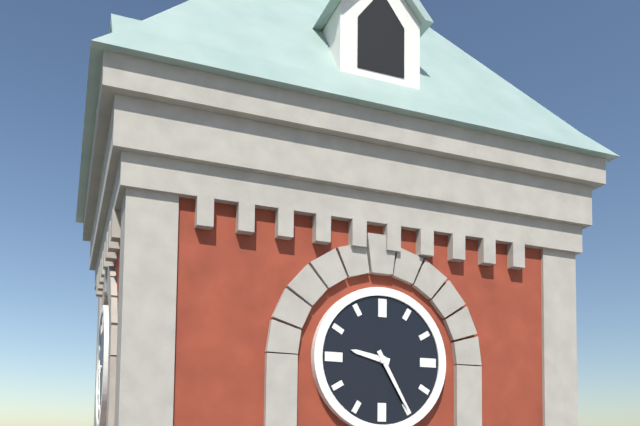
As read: 9:25
